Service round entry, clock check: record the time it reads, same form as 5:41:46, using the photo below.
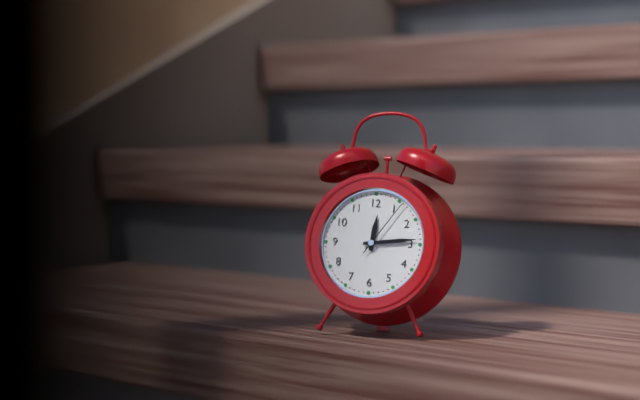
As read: 12:14:06
